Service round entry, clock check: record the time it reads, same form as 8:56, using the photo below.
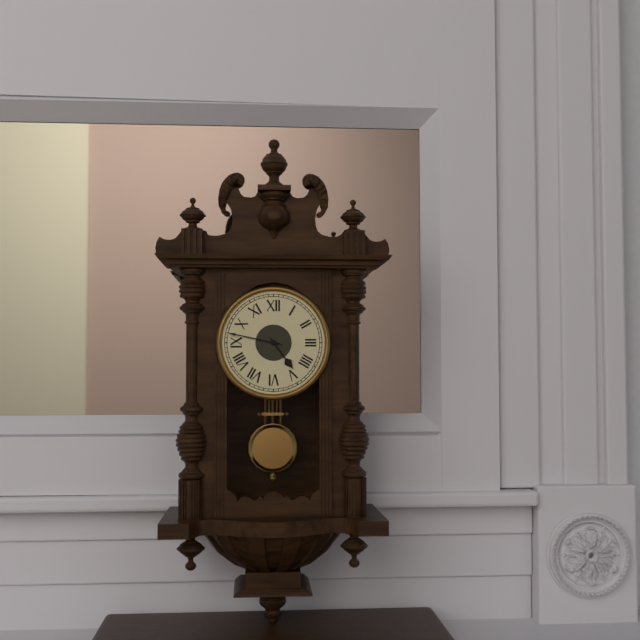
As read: 4:47
